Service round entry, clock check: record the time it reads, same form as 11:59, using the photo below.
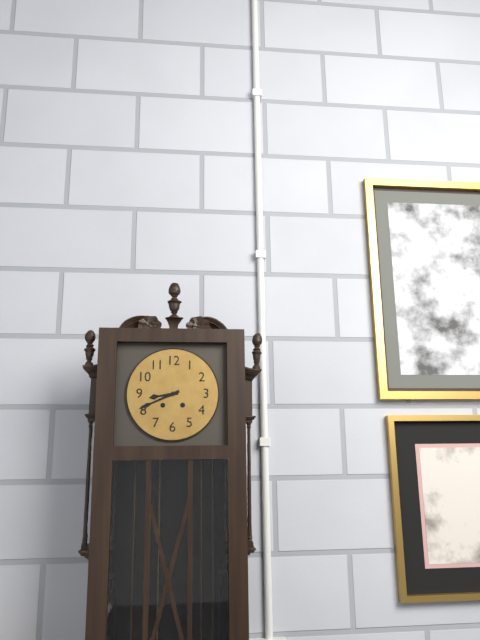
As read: 8:41
